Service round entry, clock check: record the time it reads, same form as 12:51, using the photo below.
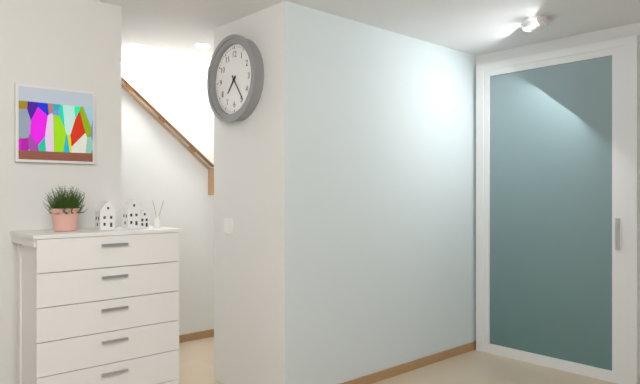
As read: 7:24
